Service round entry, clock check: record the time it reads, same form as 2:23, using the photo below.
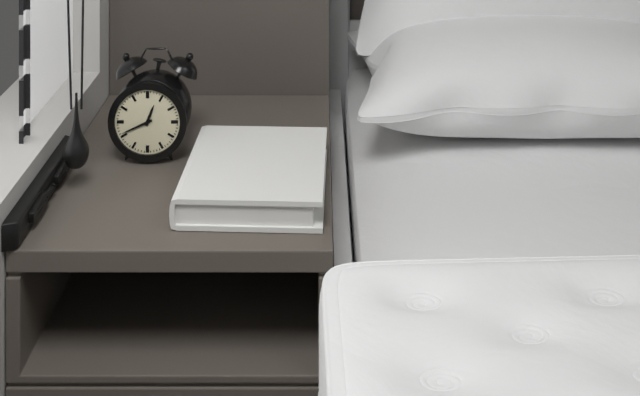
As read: 12:41
